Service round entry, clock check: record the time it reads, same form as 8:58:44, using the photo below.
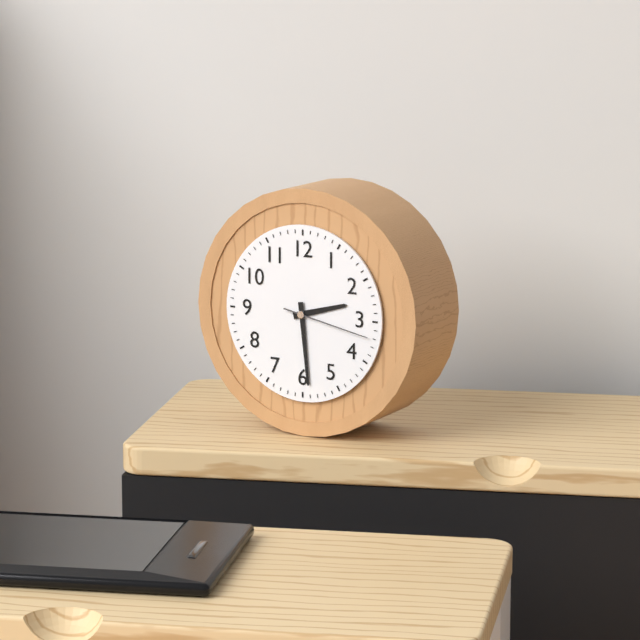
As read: 2:29:17
